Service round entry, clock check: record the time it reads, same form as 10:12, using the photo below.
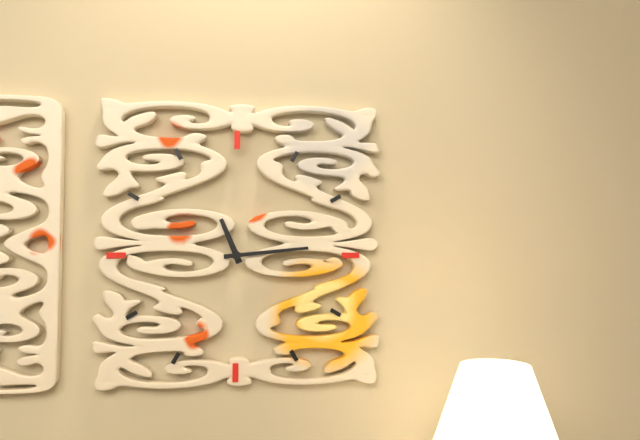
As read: 11:14
